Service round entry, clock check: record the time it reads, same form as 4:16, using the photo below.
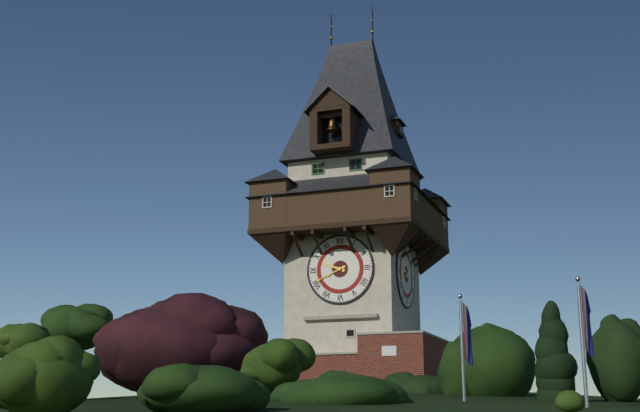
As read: 9:41
